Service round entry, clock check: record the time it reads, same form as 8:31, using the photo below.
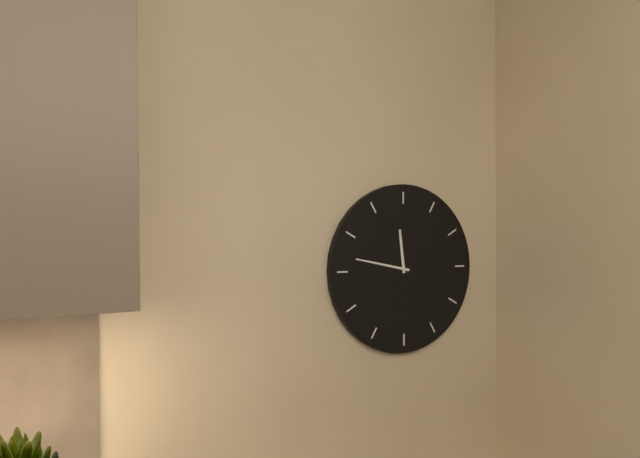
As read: 11:47
